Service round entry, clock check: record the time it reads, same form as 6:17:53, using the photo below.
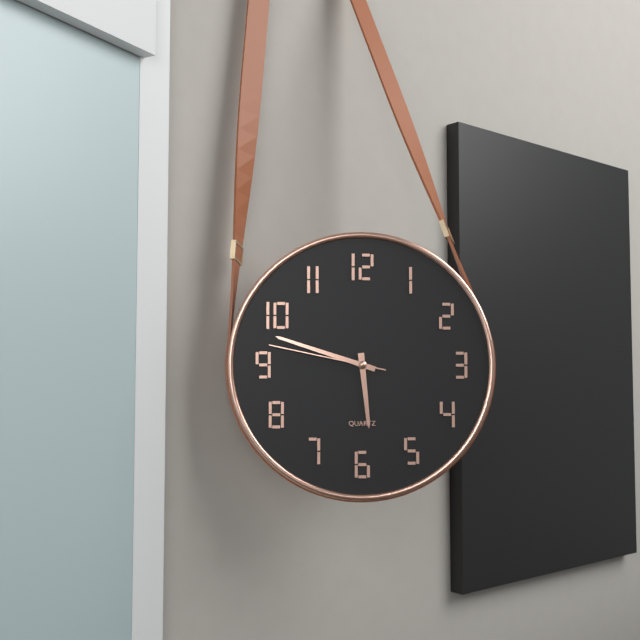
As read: 5:48:47
